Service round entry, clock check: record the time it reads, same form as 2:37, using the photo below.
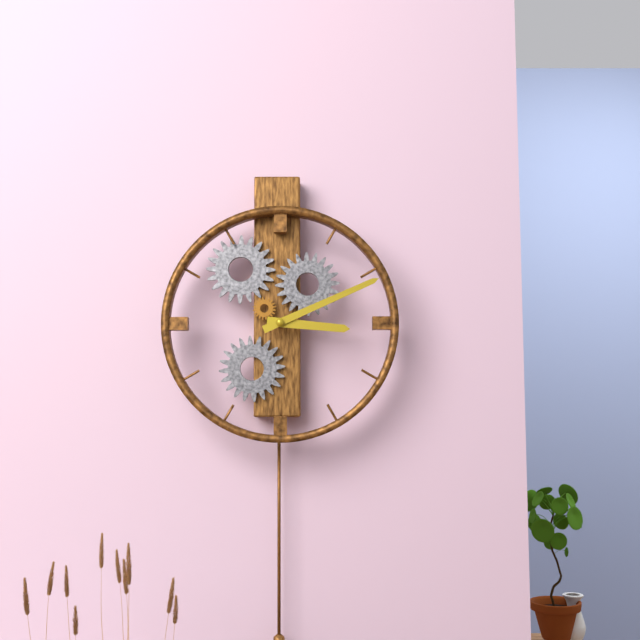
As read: 3:11
